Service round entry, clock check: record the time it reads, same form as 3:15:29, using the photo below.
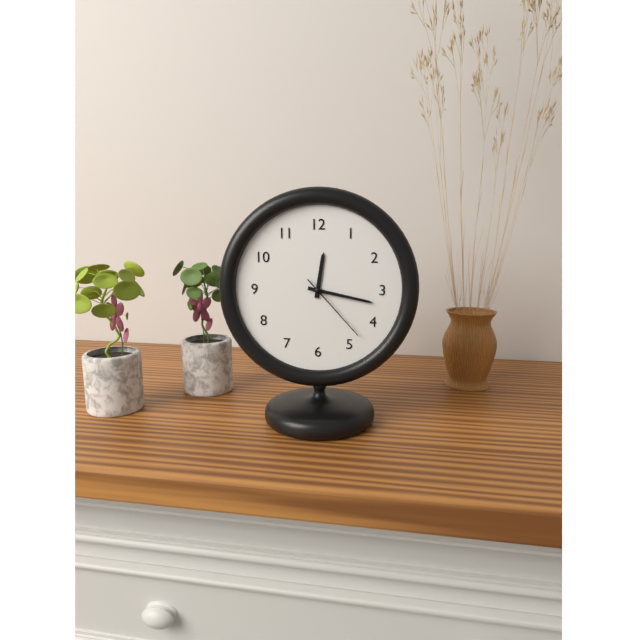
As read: 12:17:23
